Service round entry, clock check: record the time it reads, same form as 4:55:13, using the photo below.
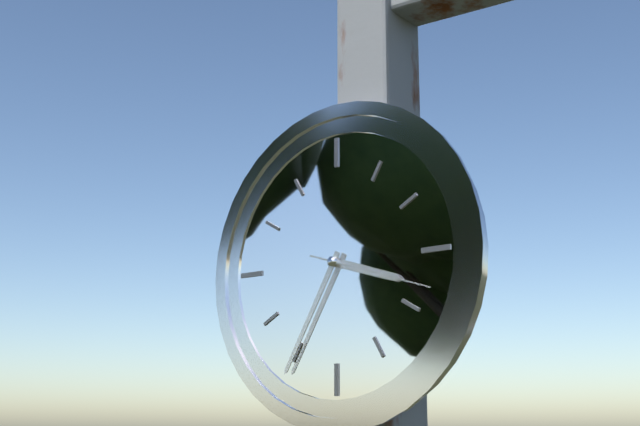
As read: 3:35:18
